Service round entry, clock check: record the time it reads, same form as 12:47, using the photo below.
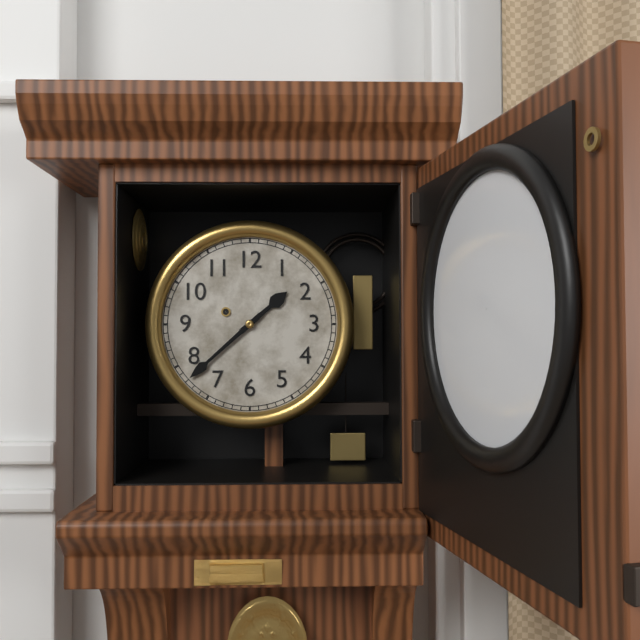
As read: 1:38
